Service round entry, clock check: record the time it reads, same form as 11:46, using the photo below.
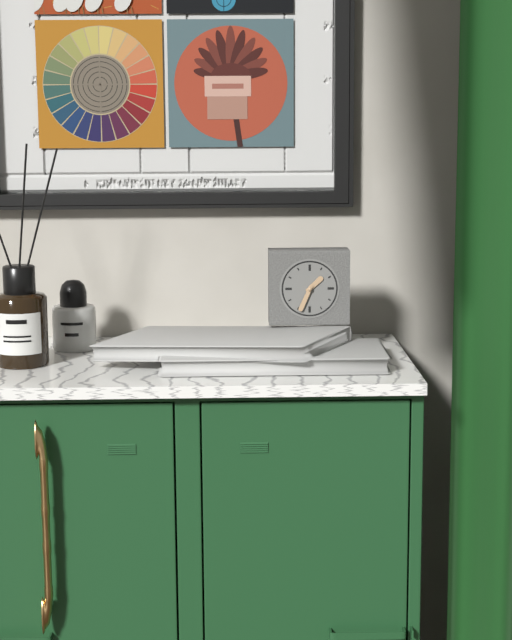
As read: 1:34
